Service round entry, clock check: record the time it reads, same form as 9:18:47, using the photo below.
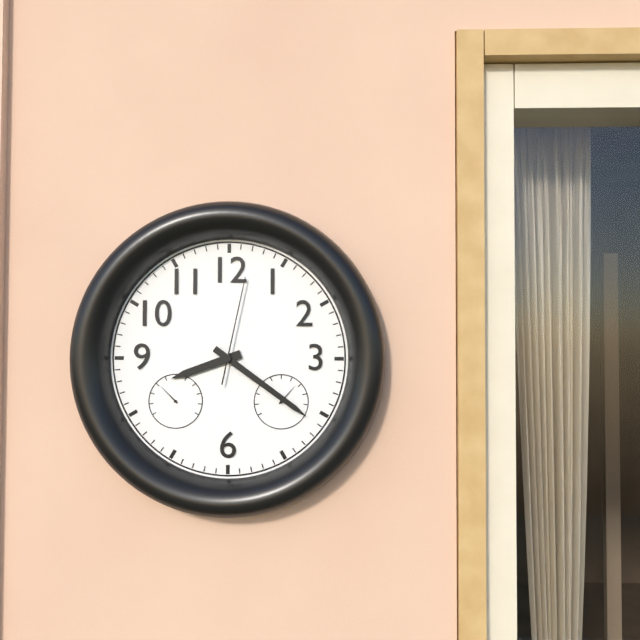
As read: 8:21:02
